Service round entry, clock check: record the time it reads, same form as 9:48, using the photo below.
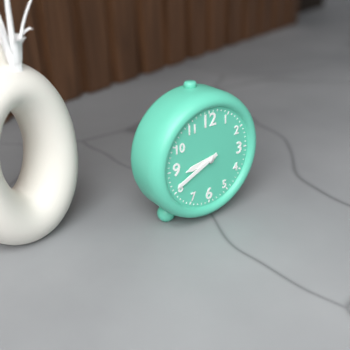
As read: 8:41
